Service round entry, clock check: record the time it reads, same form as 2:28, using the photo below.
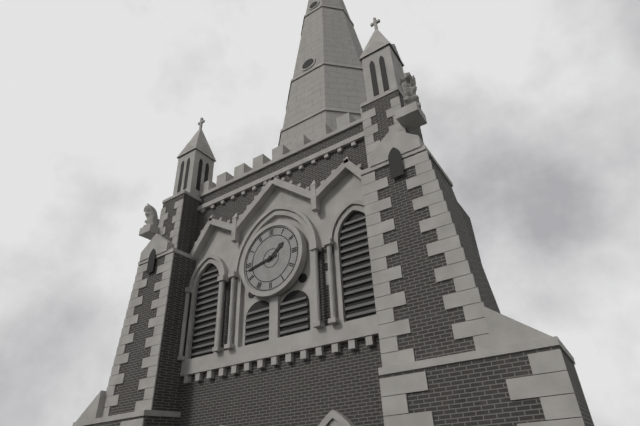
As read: 1:43
